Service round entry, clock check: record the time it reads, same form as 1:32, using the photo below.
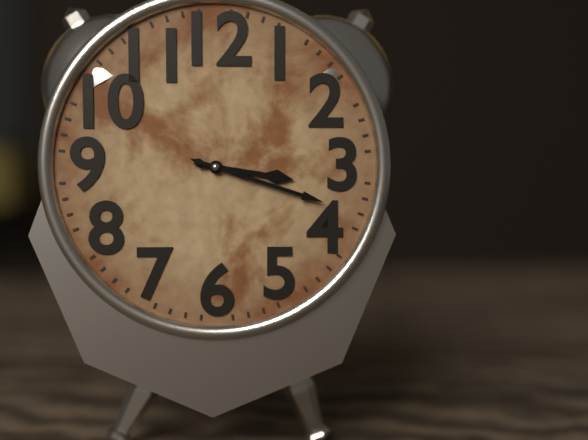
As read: 3:18
